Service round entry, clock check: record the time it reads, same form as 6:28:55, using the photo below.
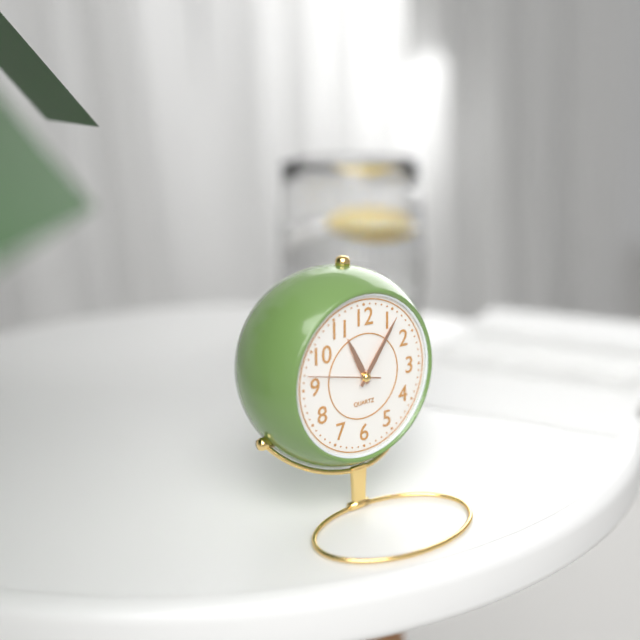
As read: 11:06:47
